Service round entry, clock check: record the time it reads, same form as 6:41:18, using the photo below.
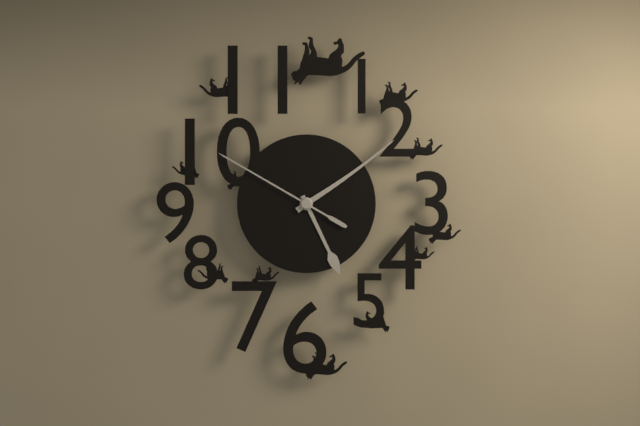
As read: 5:09:50
